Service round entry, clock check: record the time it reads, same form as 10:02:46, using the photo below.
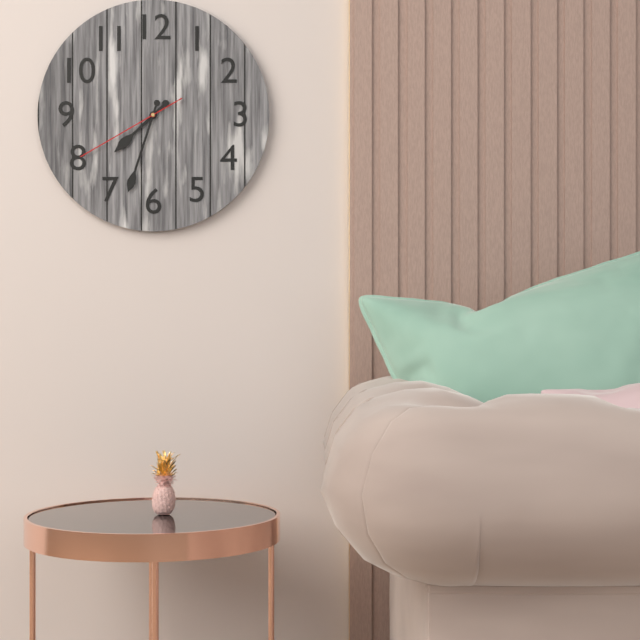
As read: 7:33:40
